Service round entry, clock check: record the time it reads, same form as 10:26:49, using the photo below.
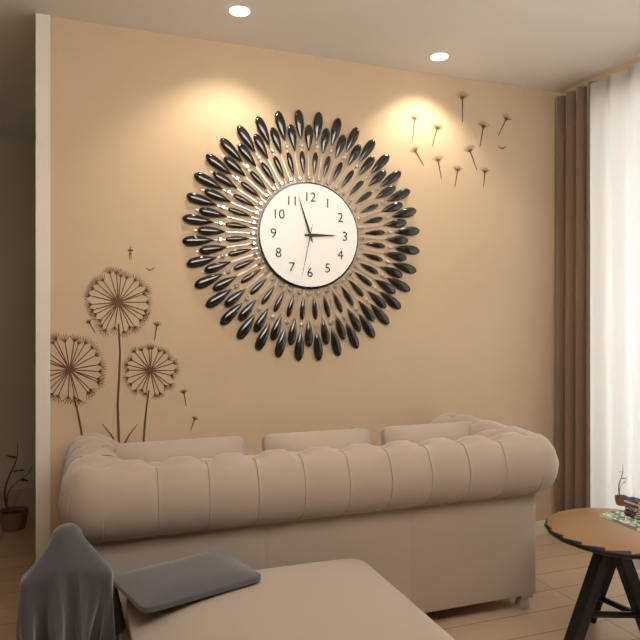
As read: 2:57:32
